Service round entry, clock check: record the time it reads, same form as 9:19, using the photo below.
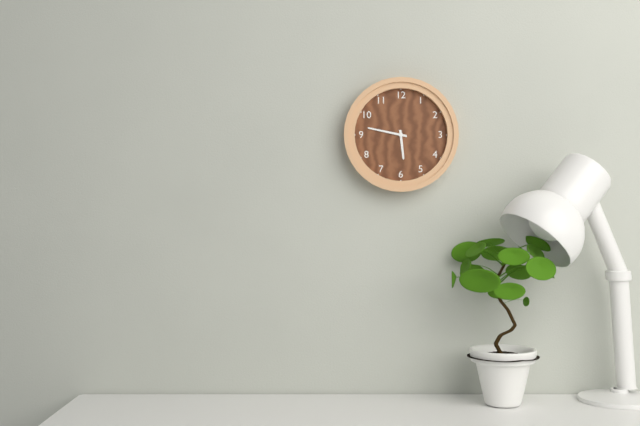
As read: 5:47
